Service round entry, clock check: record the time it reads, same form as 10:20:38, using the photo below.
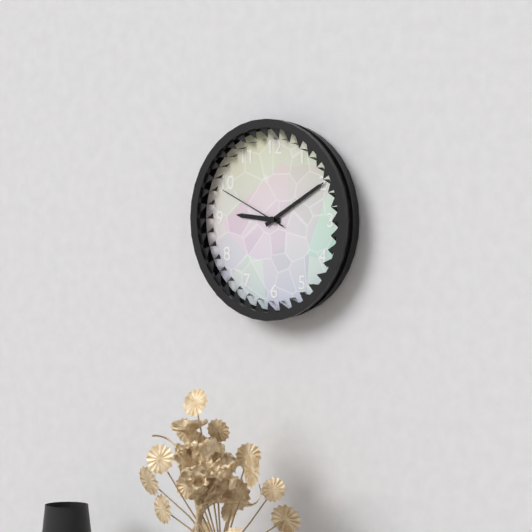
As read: 9:10:49
